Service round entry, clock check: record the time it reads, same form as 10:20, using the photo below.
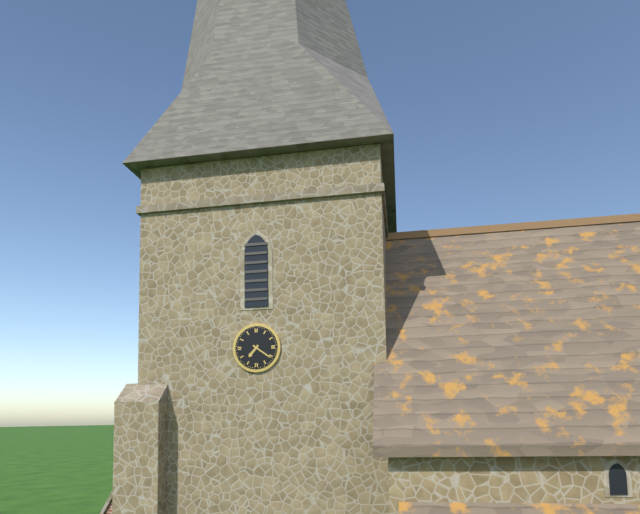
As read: 7:21
